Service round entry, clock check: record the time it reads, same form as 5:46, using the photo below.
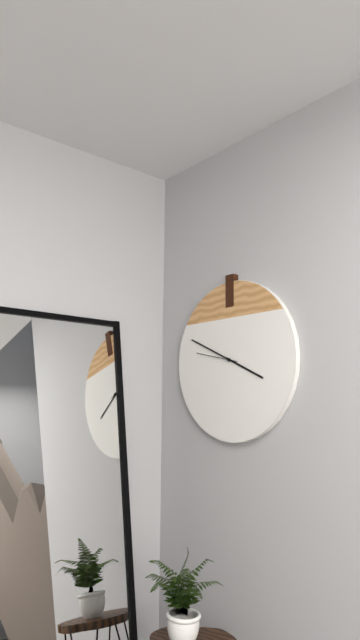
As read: 3:49
